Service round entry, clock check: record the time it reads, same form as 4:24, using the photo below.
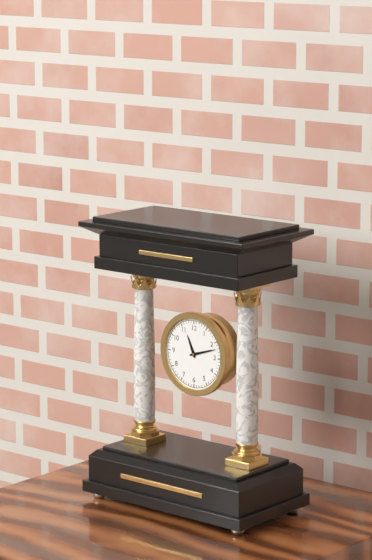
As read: 11:12
